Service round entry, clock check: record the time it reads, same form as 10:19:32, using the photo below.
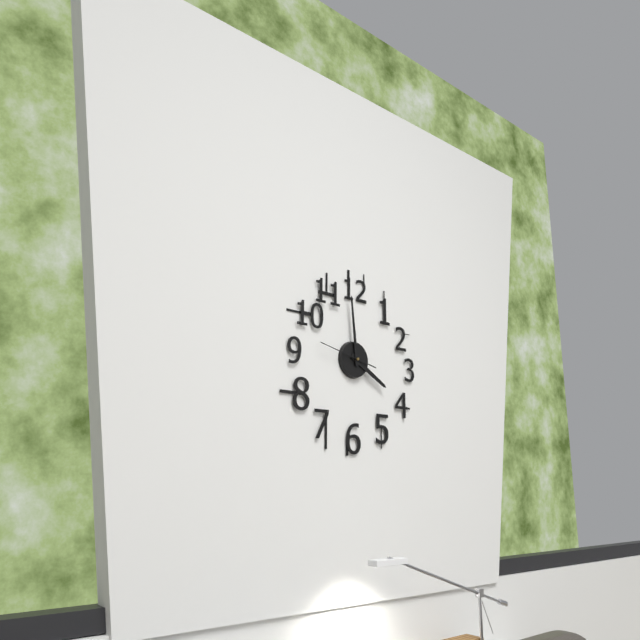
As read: 3:59:47
